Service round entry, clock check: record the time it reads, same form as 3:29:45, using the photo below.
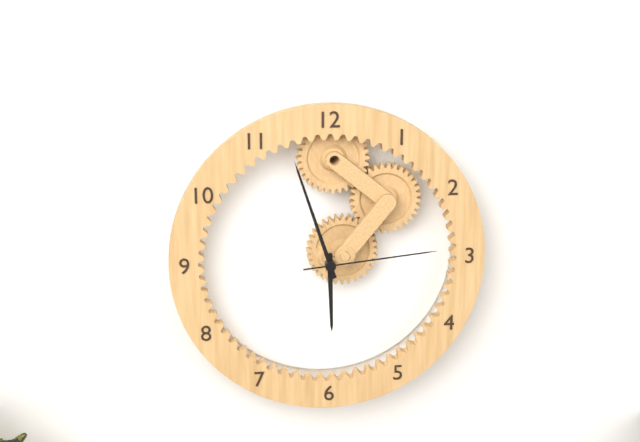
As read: 5:57:14
